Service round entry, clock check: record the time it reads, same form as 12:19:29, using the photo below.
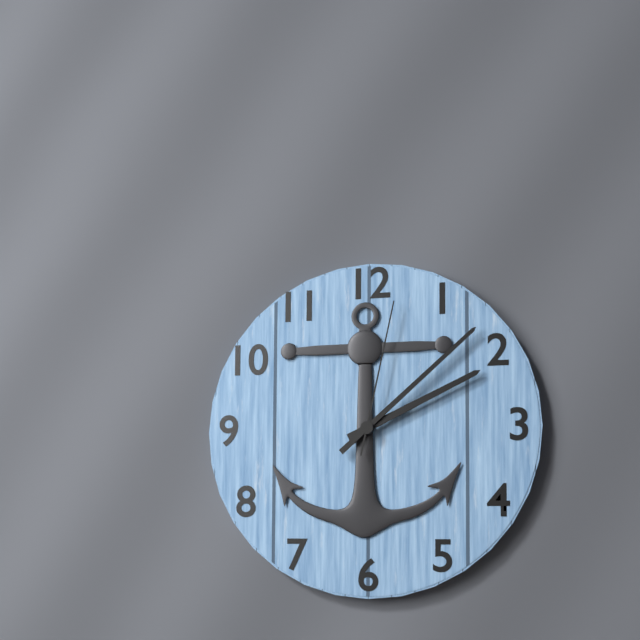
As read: 2:08:02
